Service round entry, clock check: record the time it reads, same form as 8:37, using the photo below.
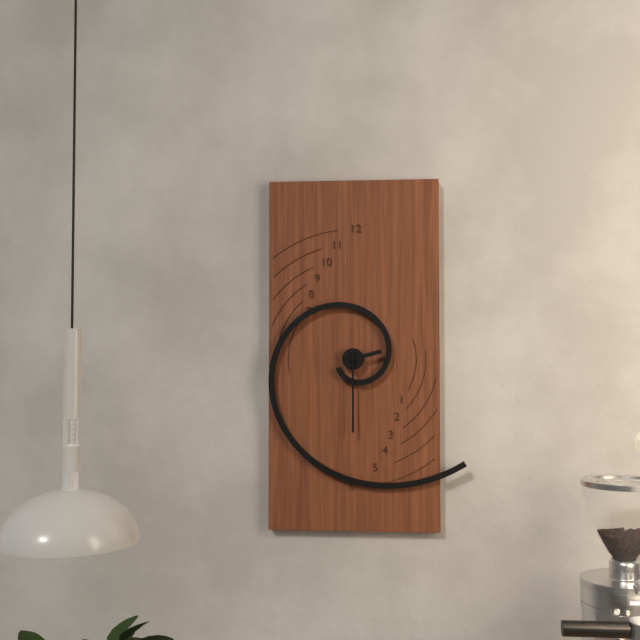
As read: 2:30
